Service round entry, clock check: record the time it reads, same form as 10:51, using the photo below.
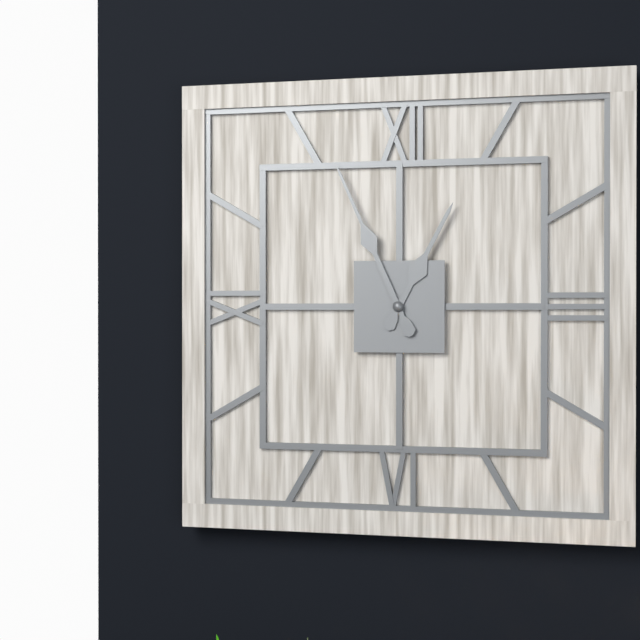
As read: 12:56
